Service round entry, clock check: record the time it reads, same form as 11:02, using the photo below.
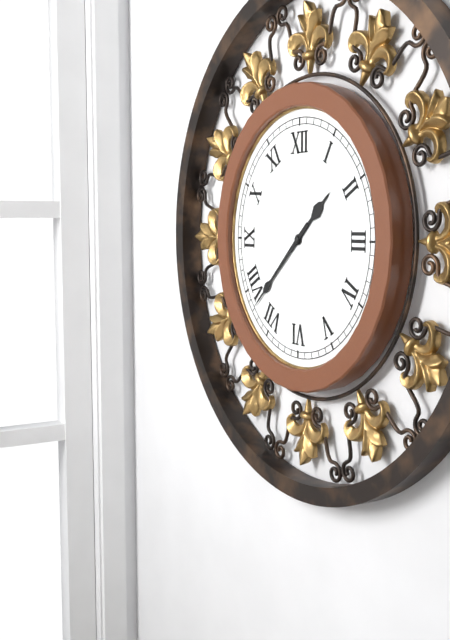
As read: 1:38
